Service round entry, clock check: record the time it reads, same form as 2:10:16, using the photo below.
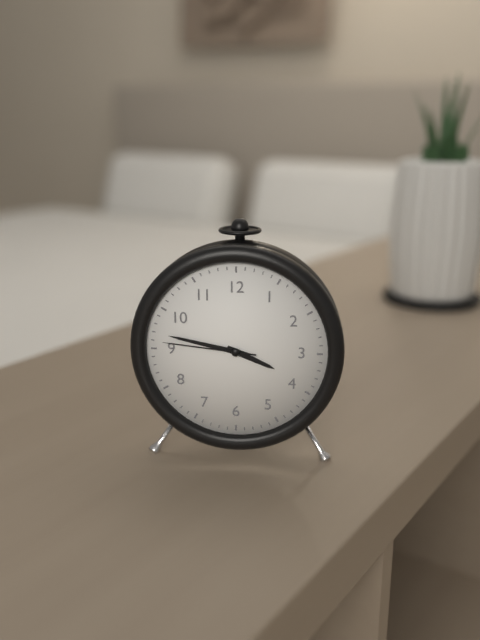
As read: 3:47:46
